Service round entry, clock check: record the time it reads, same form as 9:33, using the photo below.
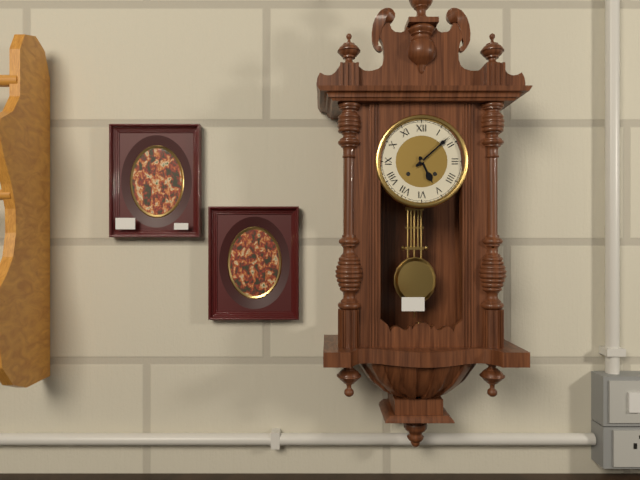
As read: 5:08
